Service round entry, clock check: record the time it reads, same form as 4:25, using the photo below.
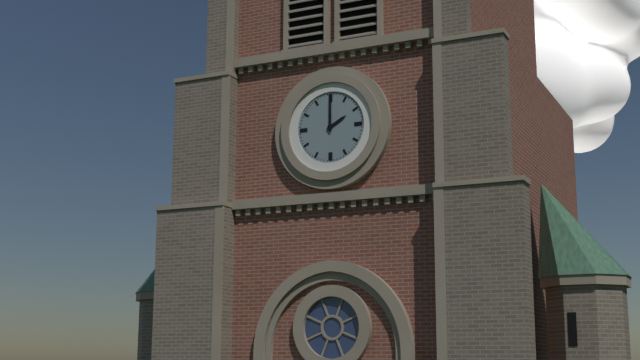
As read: 2:00
